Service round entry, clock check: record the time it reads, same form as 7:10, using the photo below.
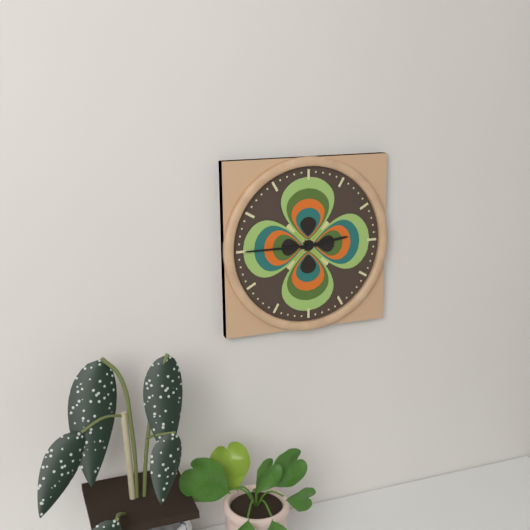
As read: 2:45
